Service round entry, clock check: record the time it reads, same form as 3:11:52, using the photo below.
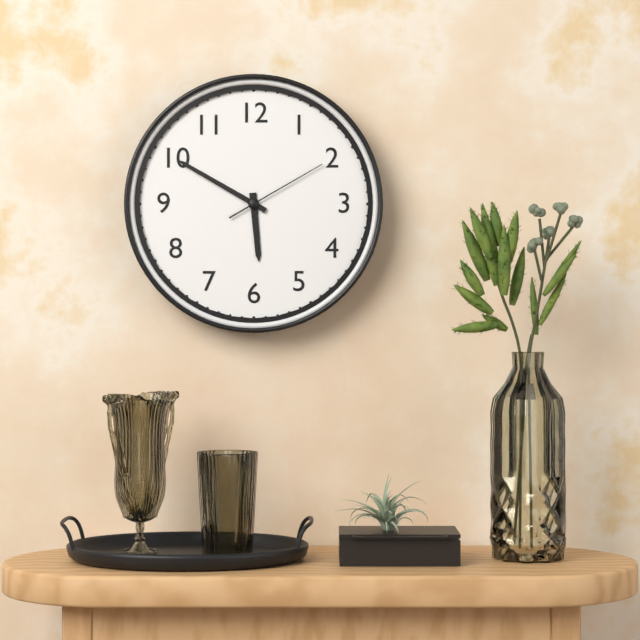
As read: 5:50:10
